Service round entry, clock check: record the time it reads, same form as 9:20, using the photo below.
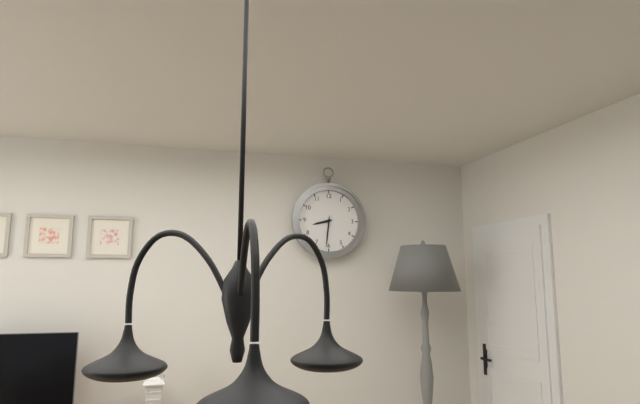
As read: 8:31
